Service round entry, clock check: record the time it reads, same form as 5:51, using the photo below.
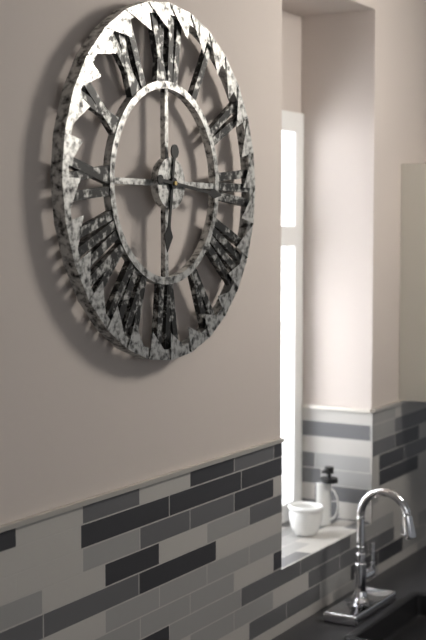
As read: 6:16
